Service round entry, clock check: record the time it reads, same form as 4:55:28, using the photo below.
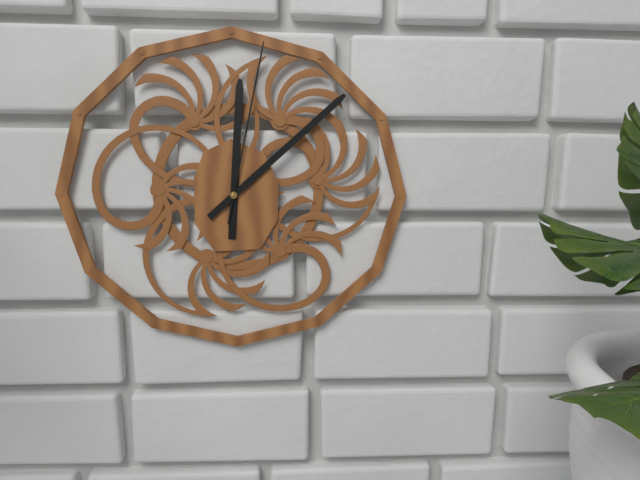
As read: 12:08:02
